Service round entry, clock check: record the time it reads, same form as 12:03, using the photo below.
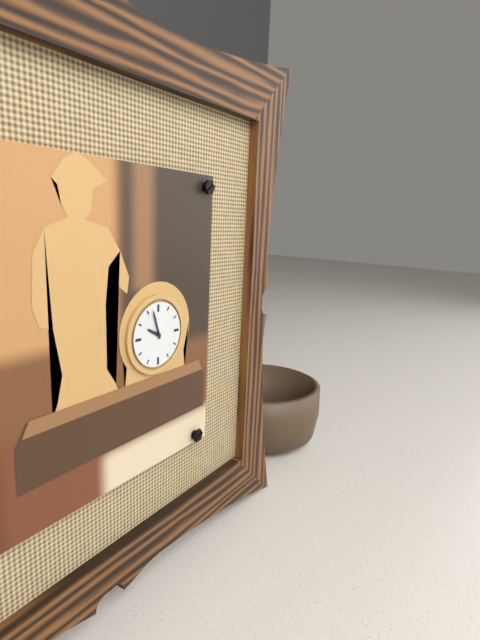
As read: 9:57
